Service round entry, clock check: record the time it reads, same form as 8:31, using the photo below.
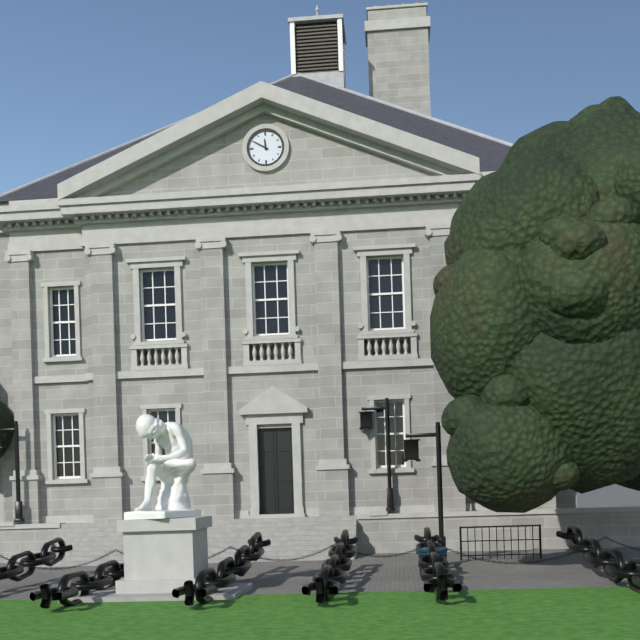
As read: 11:50
